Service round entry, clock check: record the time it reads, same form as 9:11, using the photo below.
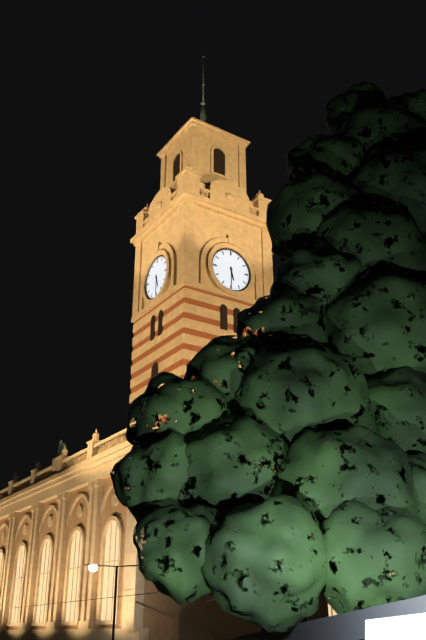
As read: 5:30
